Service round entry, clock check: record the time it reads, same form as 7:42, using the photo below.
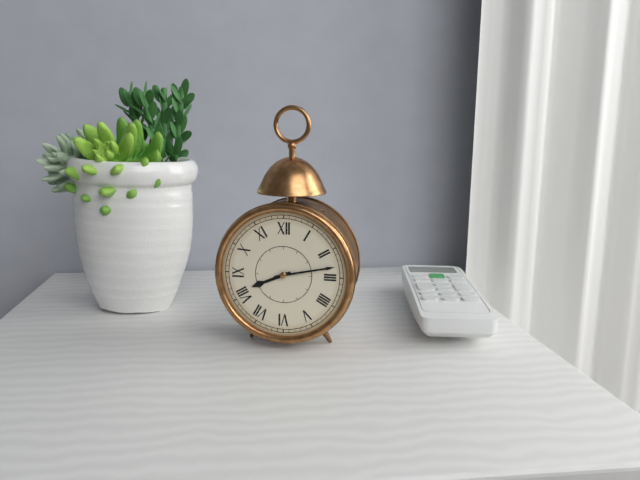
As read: 8:13
